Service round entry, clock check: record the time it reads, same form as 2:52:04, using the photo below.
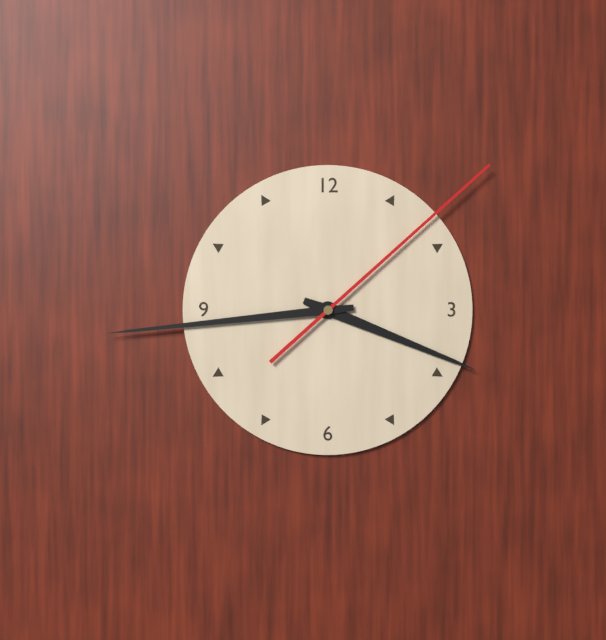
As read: 3:44:08
